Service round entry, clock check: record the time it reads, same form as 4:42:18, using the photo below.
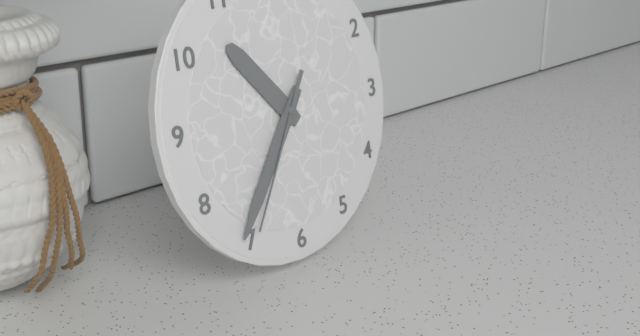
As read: 10:36:35
